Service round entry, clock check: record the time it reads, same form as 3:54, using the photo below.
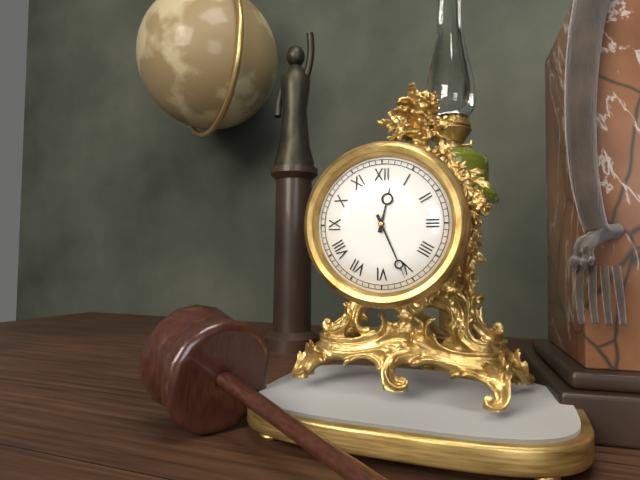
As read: 12:26
